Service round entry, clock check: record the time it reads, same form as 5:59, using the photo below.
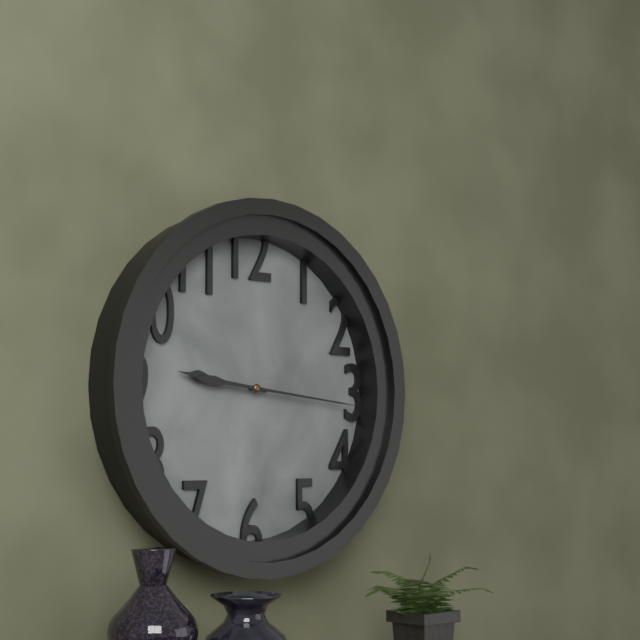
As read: 9:16
